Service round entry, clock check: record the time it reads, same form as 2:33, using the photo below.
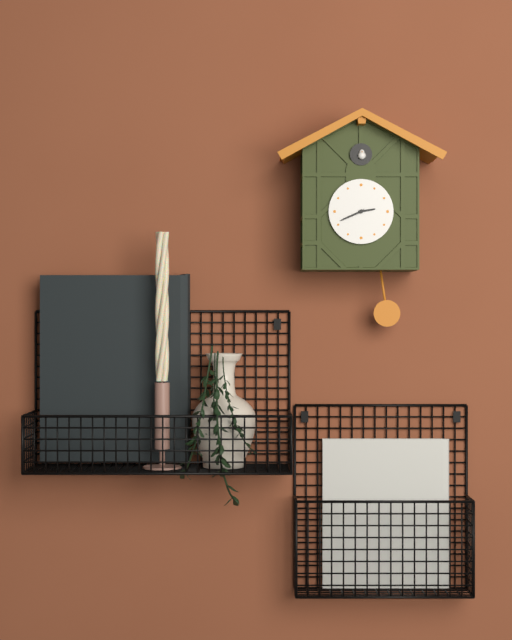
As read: 2:41
